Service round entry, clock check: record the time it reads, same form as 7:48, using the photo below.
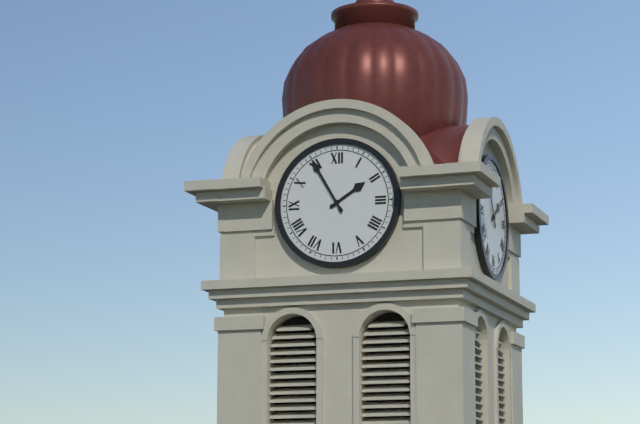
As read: 1:55
